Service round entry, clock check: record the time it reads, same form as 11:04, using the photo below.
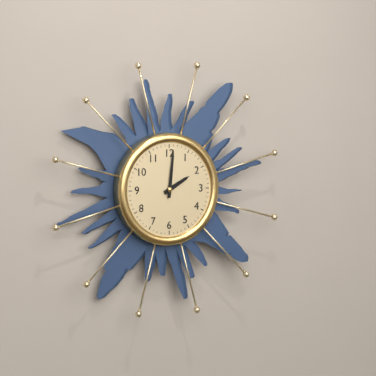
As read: 2:01
